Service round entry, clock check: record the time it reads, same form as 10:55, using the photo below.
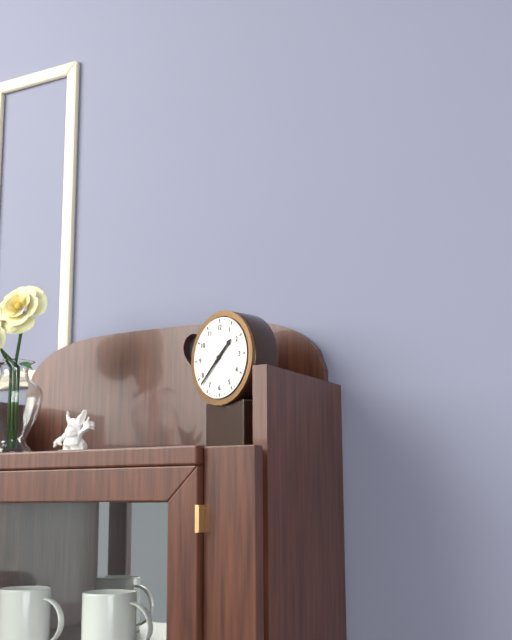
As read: 1:38
